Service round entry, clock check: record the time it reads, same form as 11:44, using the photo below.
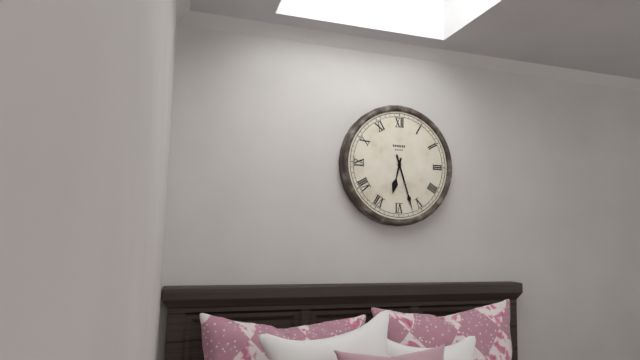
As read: 6:27
